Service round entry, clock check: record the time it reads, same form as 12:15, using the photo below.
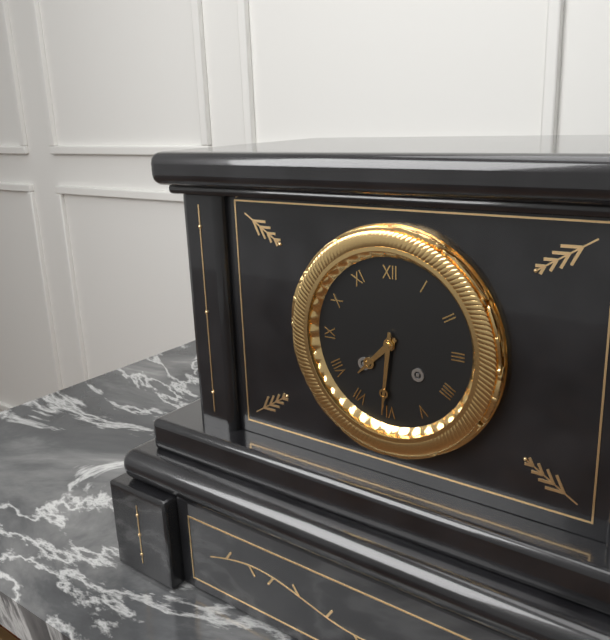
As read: 7:31
